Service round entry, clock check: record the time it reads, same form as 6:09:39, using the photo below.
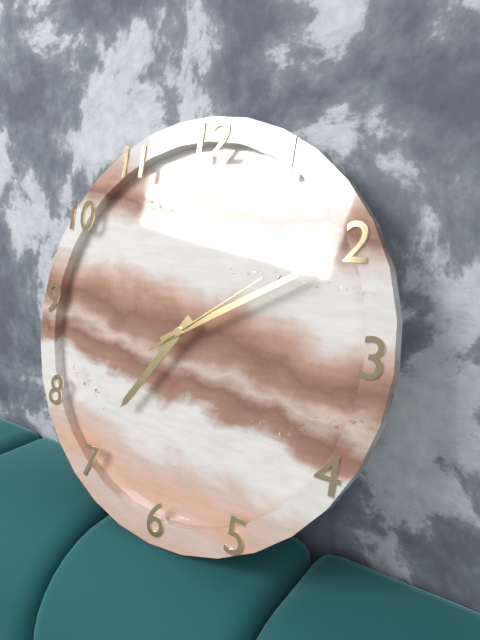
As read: 7:10:09
